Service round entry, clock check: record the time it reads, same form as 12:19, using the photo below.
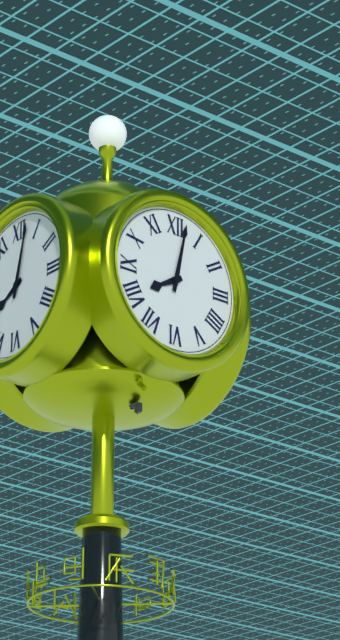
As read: 8:02
